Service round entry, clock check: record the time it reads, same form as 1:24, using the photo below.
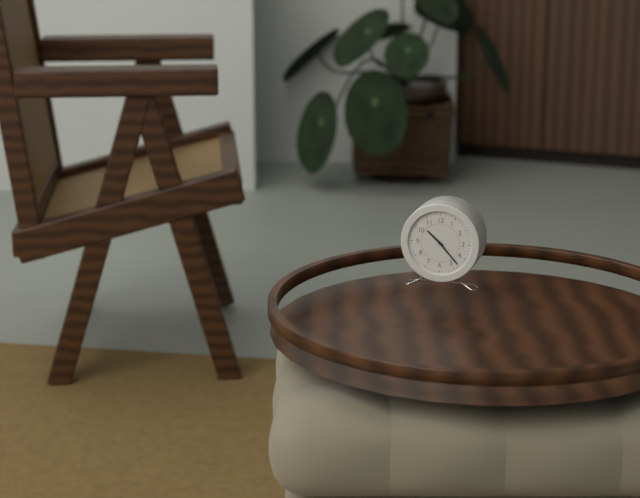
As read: 10:23
